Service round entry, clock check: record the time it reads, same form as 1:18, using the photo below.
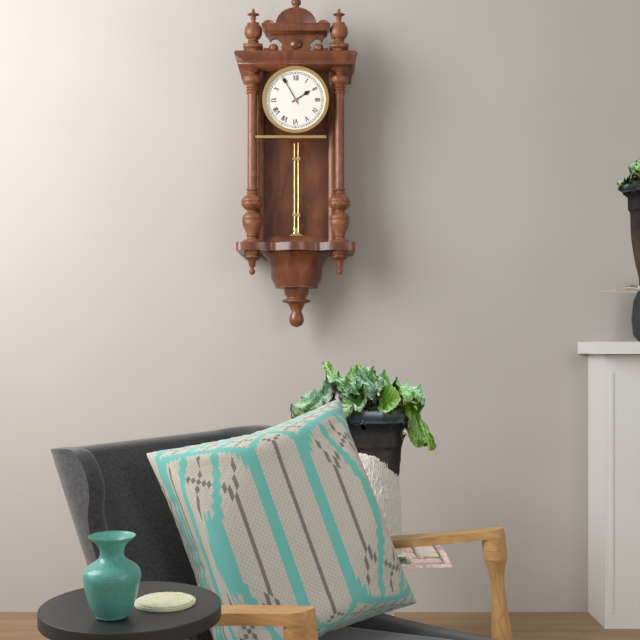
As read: 1:55
